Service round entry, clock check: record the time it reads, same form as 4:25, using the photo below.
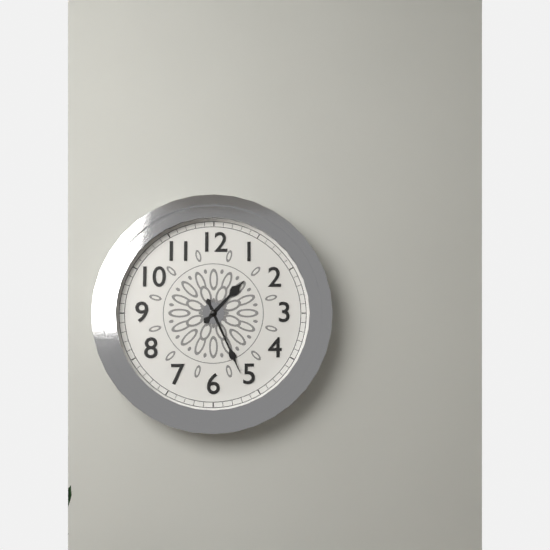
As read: 1:26
